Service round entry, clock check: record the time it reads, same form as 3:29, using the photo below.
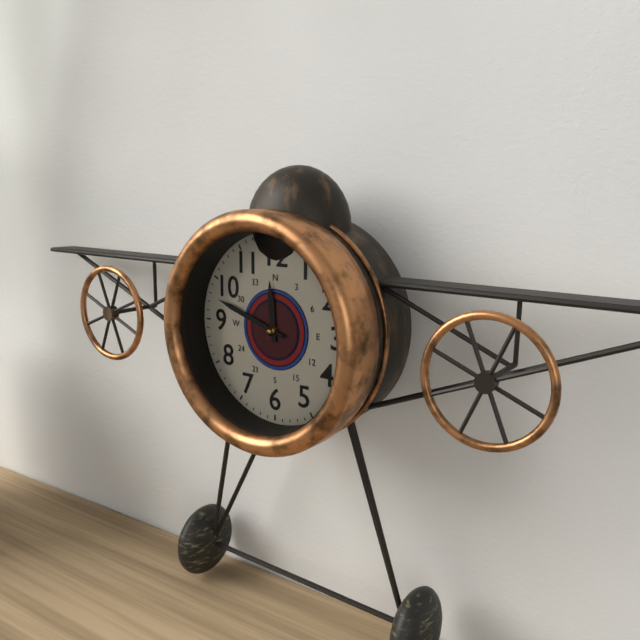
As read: 11:48
